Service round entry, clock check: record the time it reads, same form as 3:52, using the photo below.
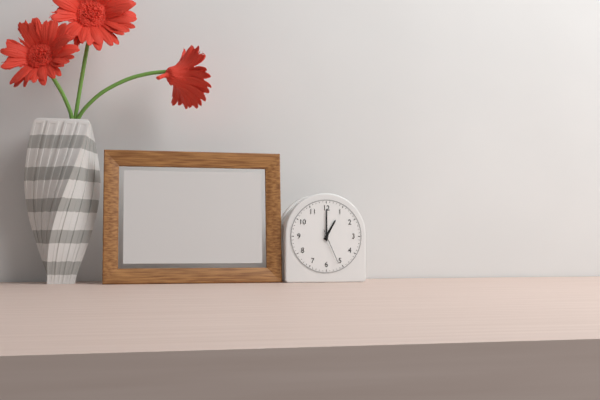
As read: 1:00
